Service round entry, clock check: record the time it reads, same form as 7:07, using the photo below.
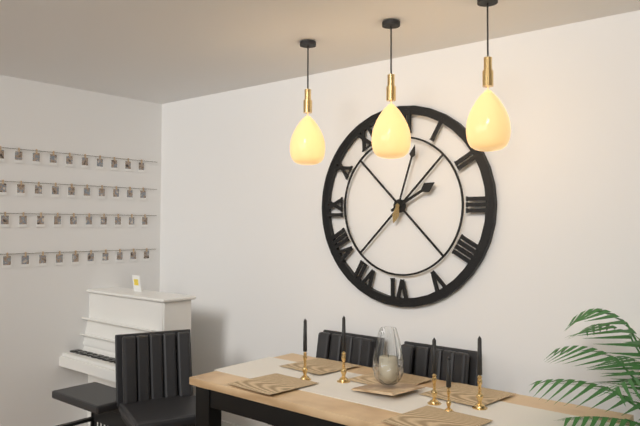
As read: 2:03
